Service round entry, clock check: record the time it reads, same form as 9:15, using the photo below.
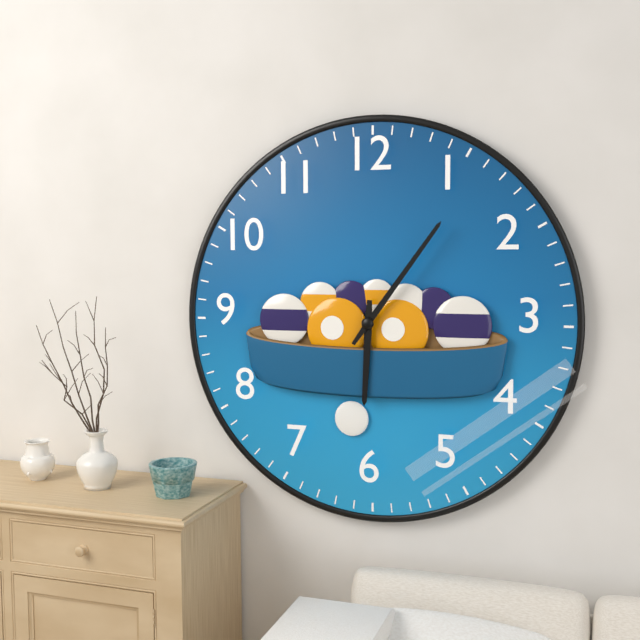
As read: 6:06
